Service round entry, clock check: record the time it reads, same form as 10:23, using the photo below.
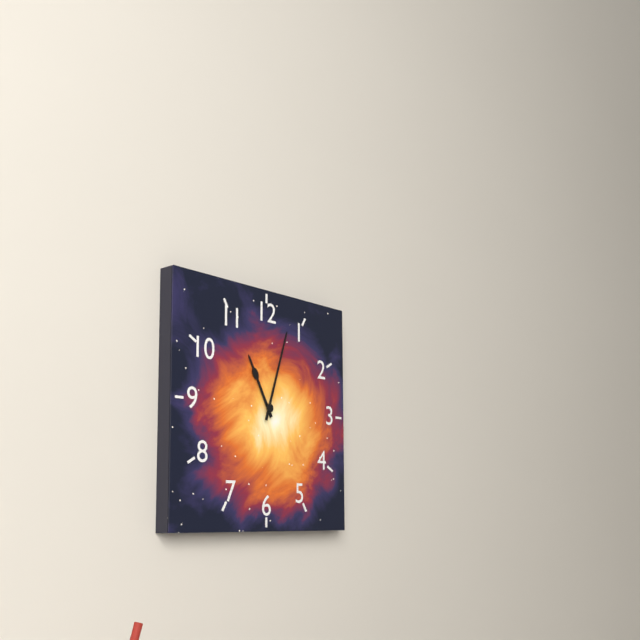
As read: 11:03
